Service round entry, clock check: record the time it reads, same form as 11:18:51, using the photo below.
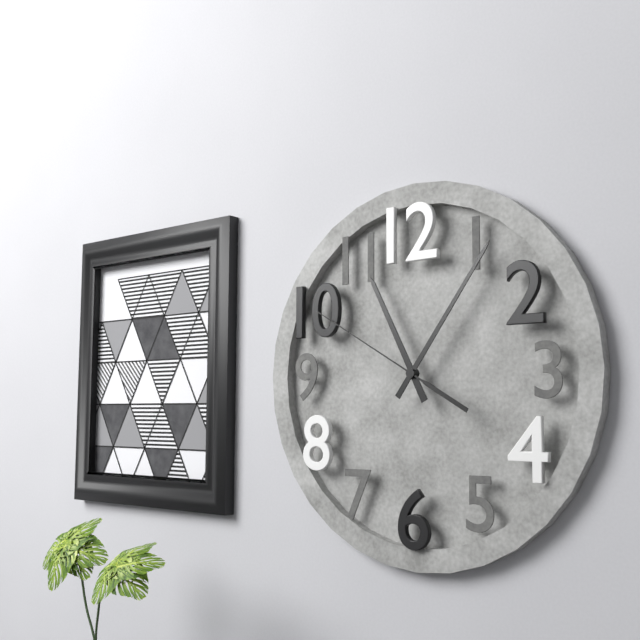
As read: 11:06:50
